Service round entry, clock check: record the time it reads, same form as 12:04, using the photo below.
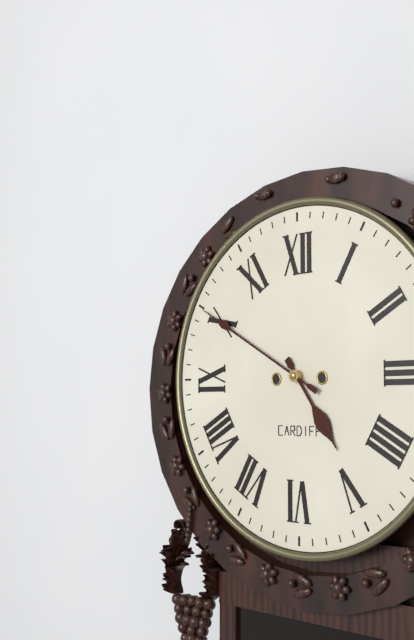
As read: 4:50
